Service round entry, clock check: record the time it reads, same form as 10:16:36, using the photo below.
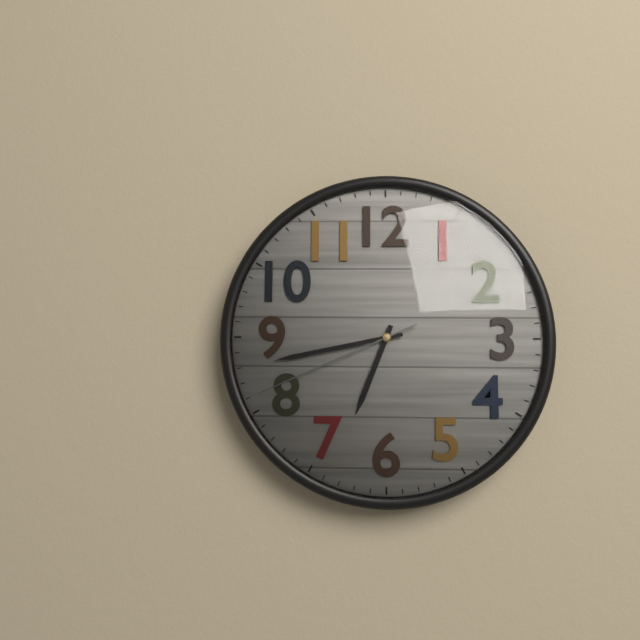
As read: 6:43:41
